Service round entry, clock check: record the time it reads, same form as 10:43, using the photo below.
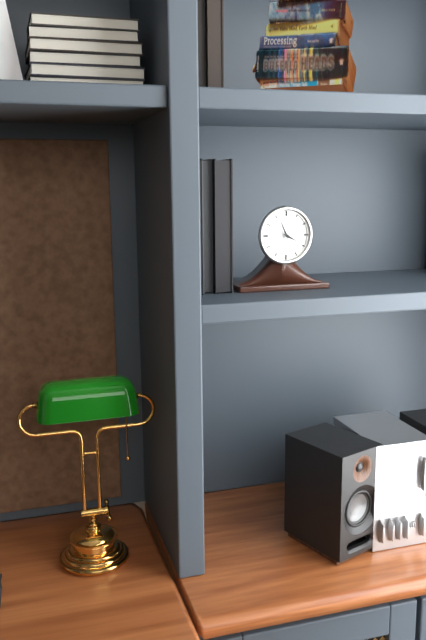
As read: 3:56
